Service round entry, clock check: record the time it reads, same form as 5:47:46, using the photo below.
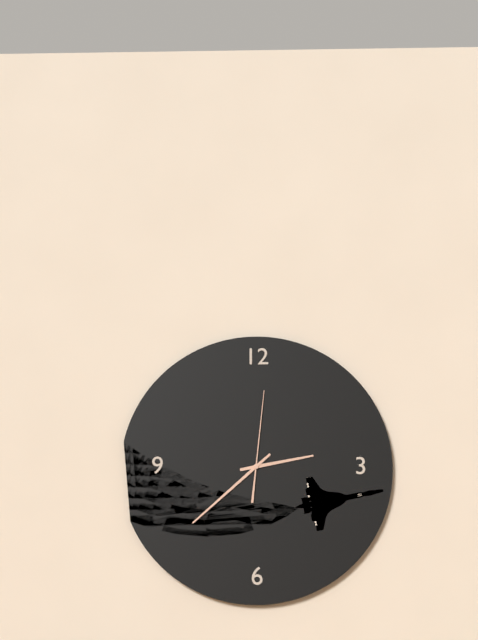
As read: 2:38:01
